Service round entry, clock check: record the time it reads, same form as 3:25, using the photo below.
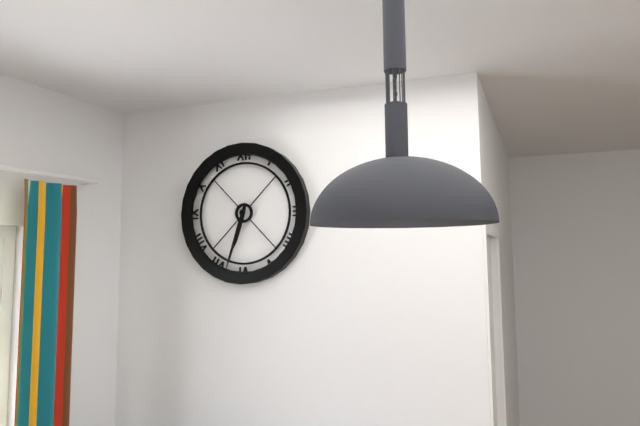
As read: 6:33
